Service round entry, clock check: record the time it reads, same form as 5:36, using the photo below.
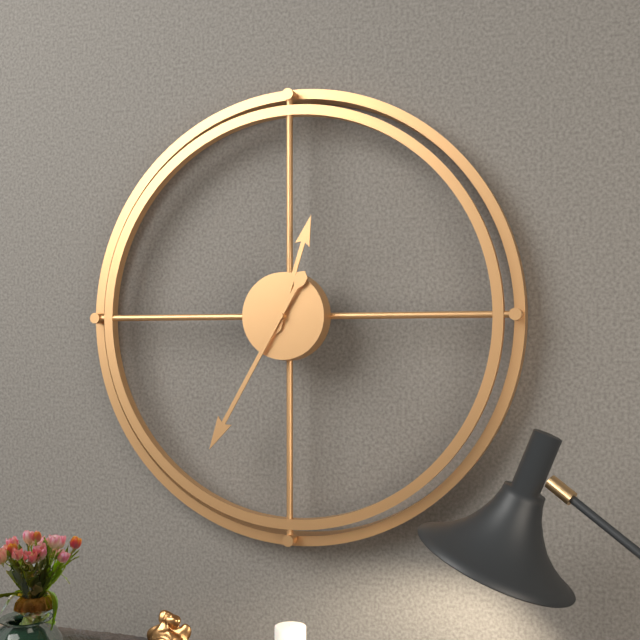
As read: 12:35
